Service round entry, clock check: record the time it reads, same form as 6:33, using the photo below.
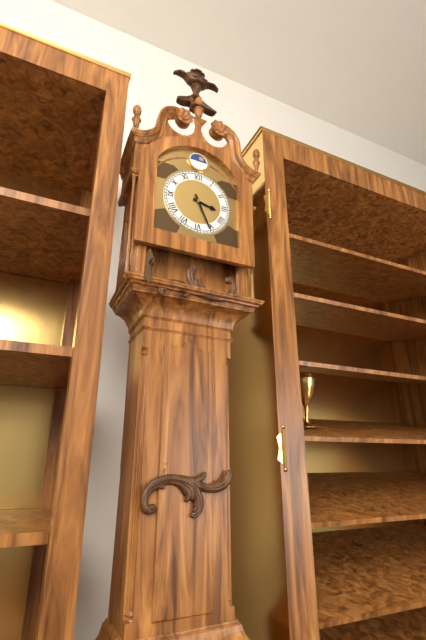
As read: 3:26
